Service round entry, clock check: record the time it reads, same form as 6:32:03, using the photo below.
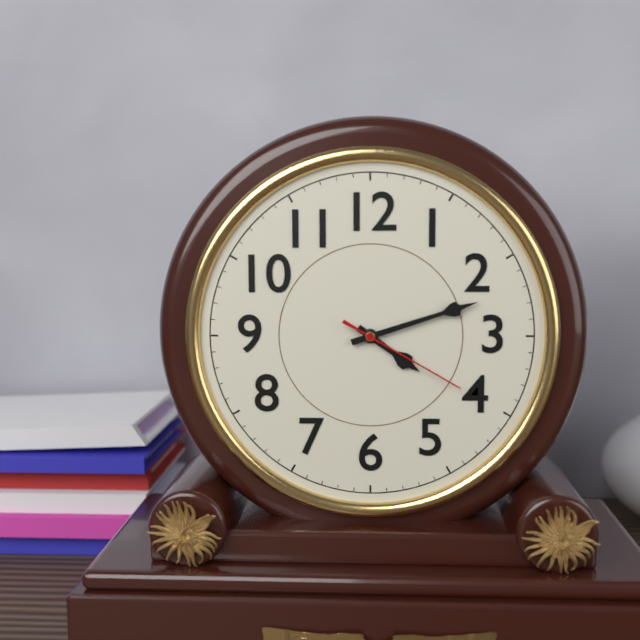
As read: 4:12:20
